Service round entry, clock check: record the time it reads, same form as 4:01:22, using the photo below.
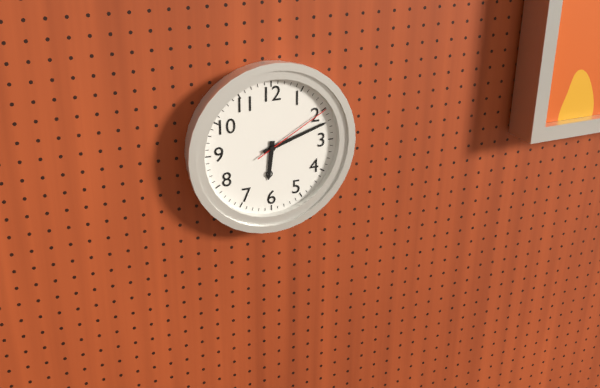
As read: 6:12:10
